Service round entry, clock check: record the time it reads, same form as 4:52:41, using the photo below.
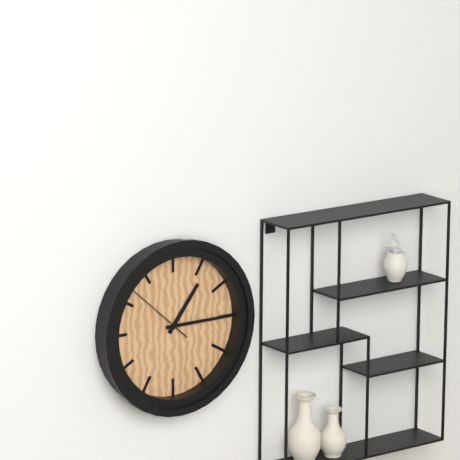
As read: 1:15:52
